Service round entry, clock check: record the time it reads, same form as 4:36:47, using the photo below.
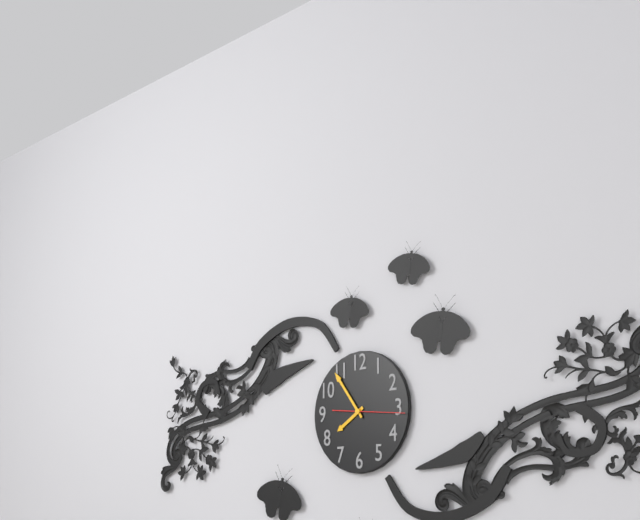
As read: 7:54:16
